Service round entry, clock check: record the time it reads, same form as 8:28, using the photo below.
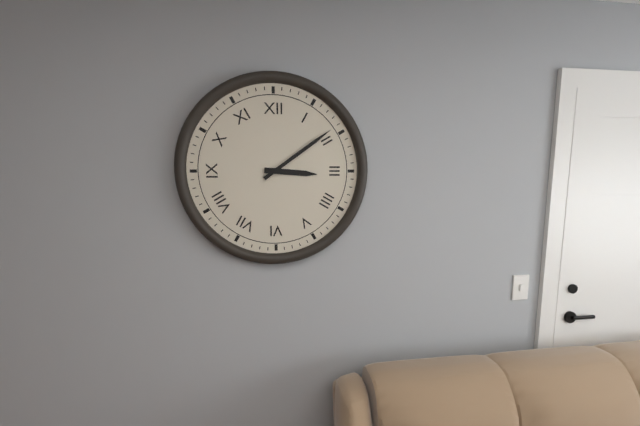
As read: 3:09
